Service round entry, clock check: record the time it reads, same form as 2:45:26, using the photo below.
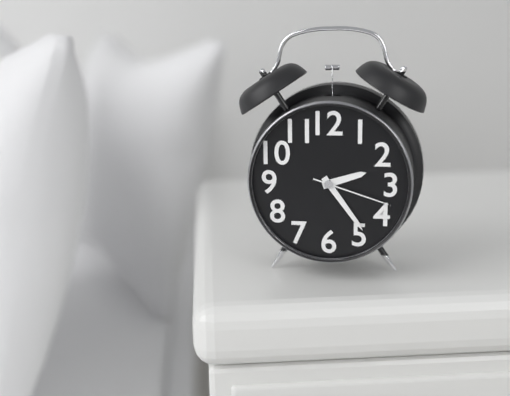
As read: 2:24:18
